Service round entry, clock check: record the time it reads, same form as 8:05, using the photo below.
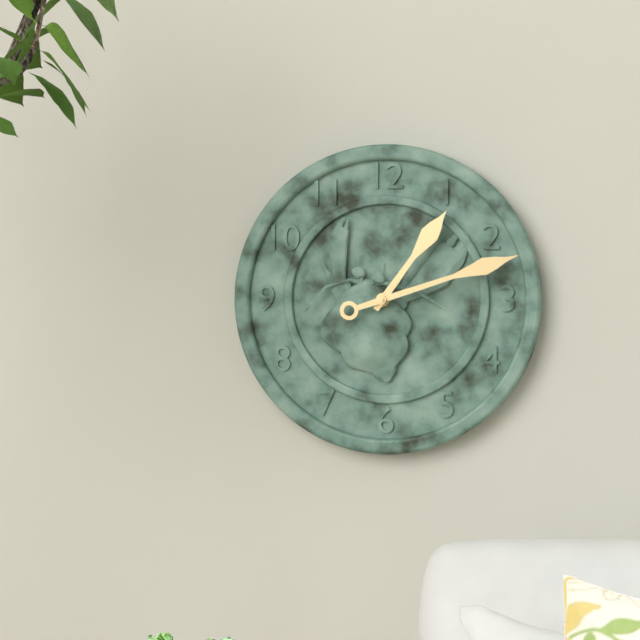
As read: 1:12
